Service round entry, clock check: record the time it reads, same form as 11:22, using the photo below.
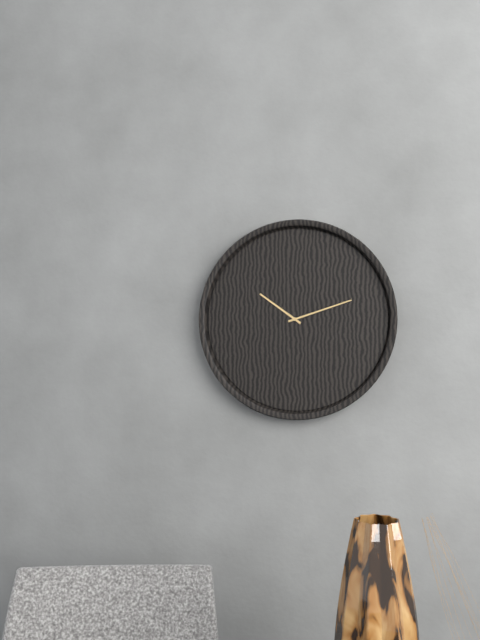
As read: 10:12
